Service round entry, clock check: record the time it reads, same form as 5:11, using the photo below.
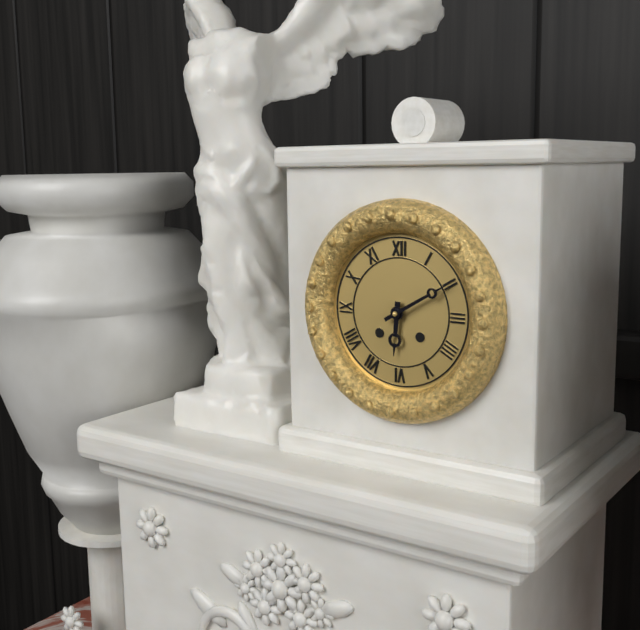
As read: 6:10
